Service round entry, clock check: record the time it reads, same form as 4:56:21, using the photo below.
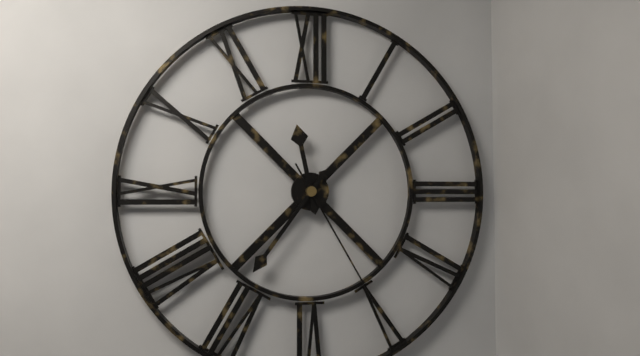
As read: 11:36:25
